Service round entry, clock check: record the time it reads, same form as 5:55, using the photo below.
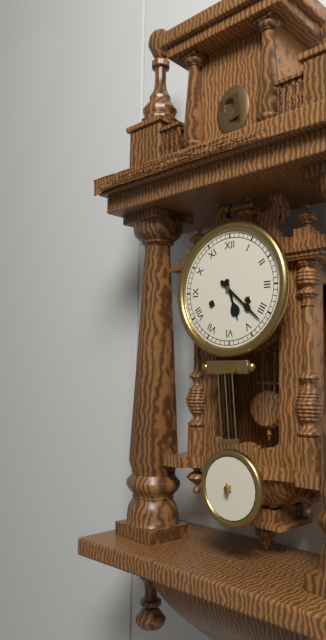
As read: 5:22
